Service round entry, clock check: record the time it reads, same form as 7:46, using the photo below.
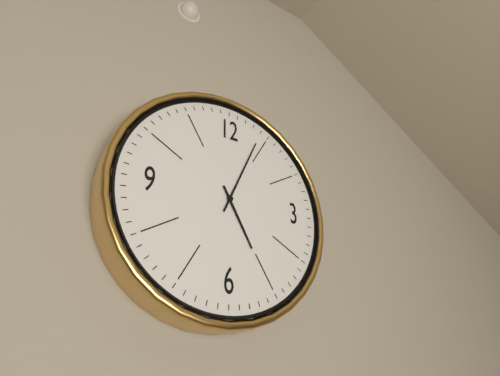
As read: 5:04
